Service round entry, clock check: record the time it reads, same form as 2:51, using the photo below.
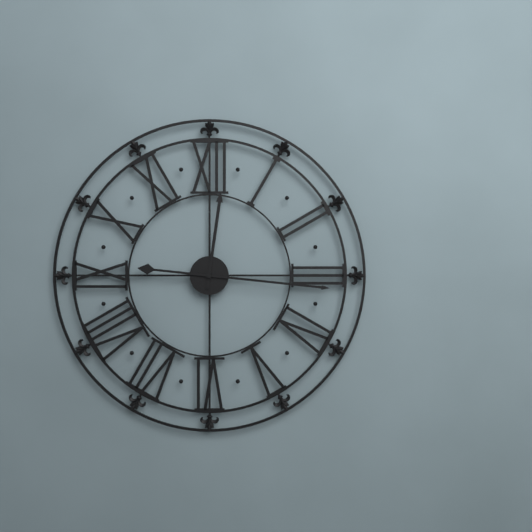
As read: 12:16
